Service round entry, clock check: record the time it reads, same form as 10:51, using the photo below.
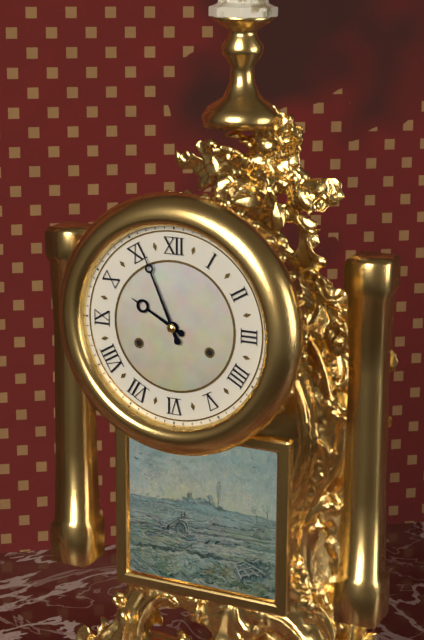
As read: 9:56
